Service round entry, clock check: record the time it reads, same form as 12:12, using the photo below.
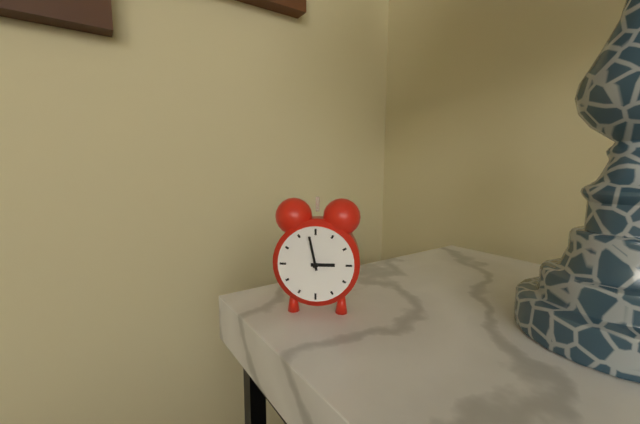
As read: 2:58
